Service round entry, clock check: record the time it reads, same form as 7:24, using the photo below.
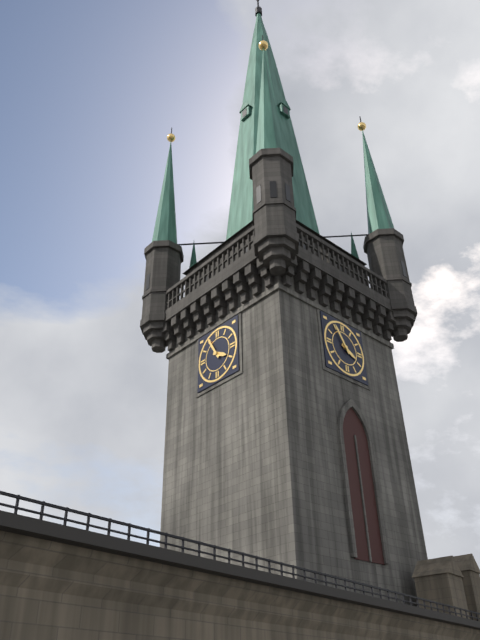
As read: 3:55
